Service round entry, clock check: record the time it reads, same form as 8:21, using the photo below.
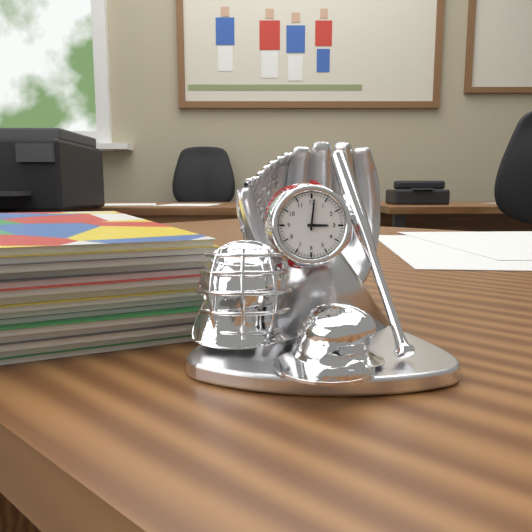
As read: 3:01
